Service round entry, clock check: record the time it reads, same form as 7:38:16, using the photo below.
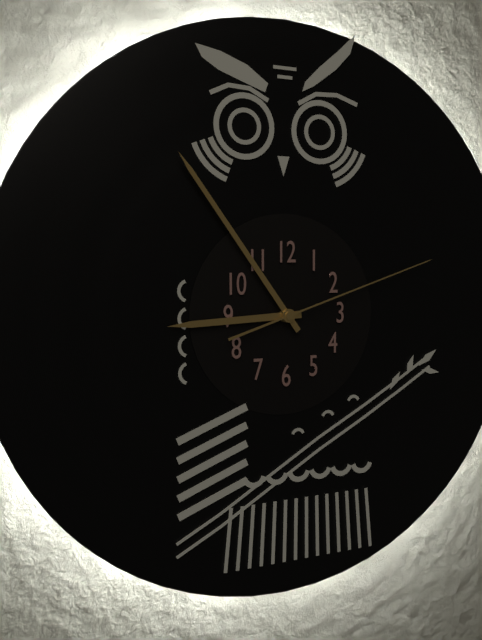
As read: 8:54:12
